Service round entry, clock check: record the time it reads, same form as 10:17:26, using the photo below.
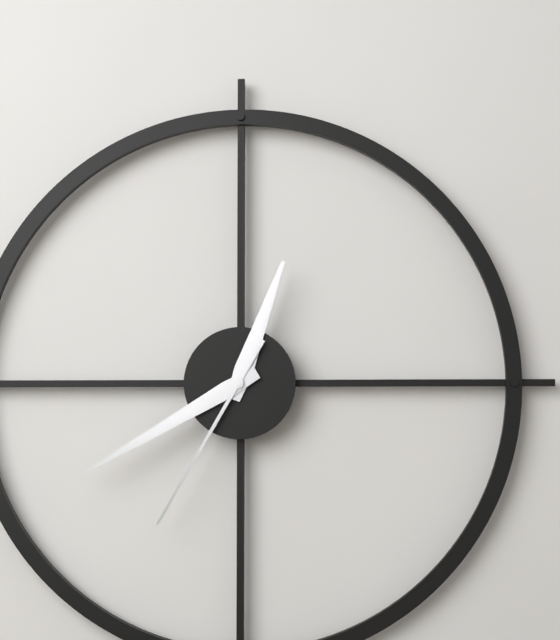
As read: 12:40:35
